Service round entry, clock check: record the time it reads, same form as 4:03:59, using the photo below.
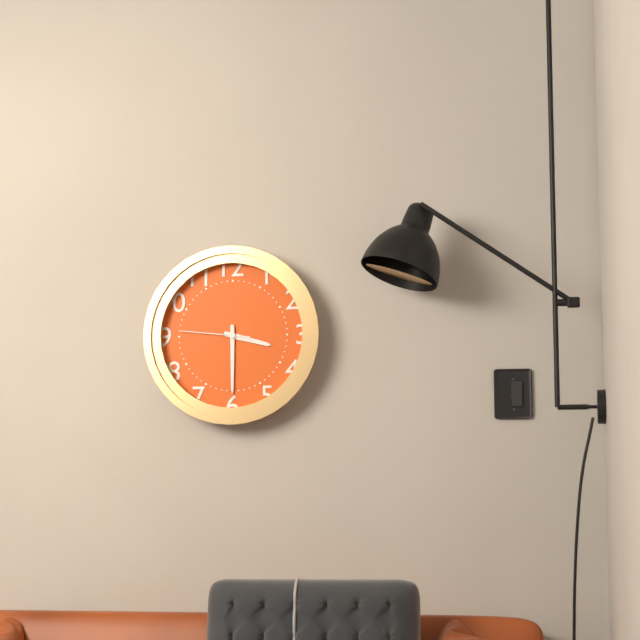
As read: 3:30:46
